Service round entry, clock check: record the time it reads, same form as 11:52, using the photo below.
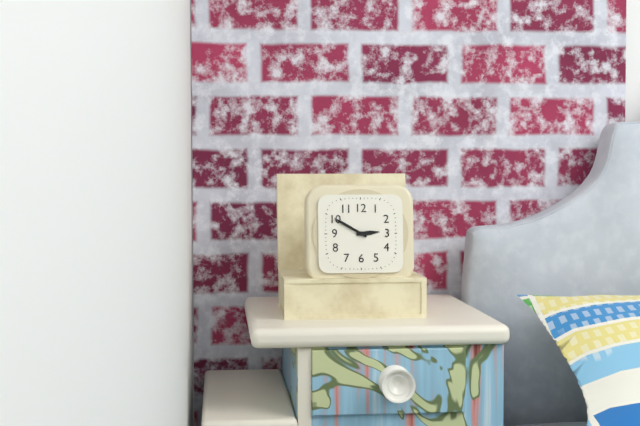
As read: 2:50
